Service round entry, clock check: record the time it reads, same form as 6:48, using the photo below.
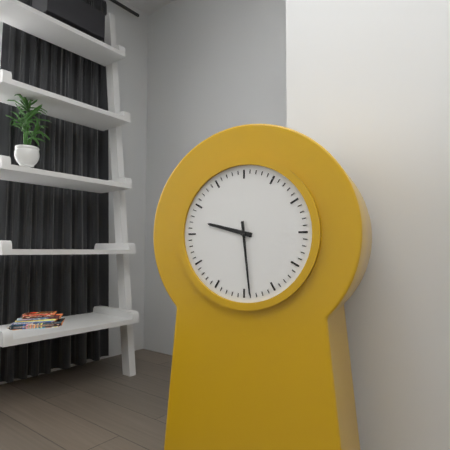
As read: 9:29
